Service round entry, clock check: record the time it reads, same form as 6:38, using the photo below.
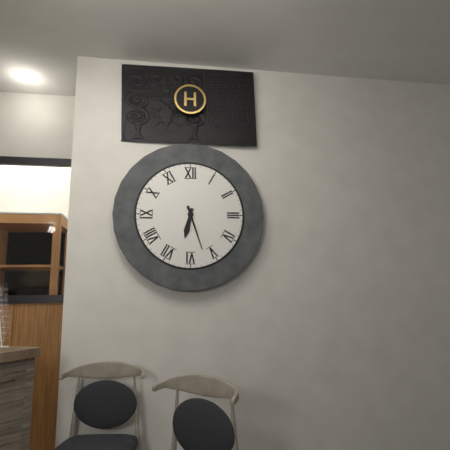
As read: 6:27
